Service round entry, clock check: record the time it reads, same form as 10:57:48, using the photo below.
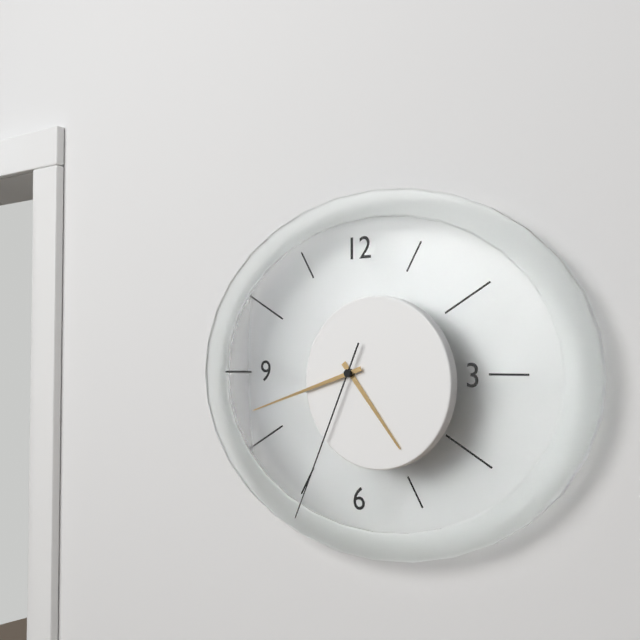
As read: 4:42:34
